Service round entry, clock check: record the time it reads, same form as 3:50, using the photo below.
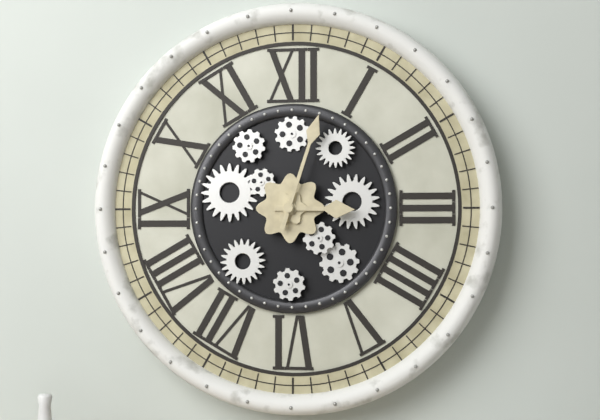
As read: 3:03
